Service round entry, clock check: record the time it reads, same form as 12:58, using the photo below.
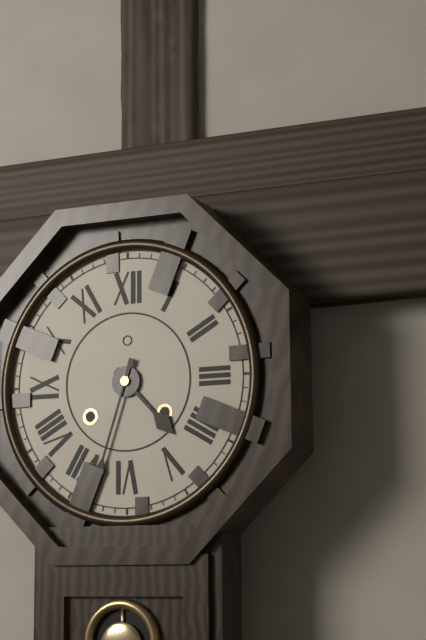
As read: 4:33
